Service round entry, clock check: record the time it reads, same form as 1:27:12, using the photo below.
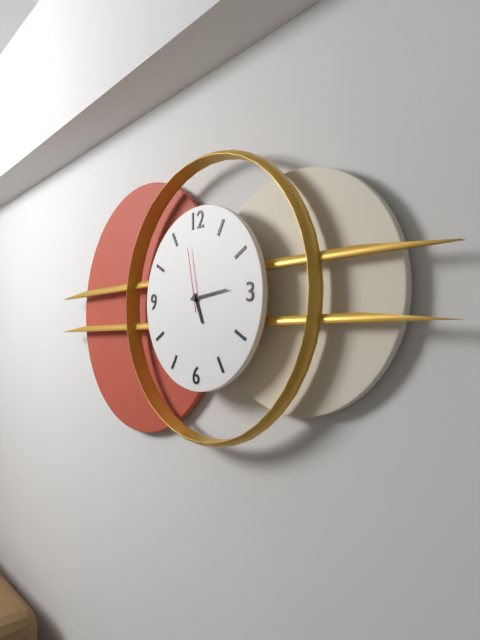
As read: 5:14:58
